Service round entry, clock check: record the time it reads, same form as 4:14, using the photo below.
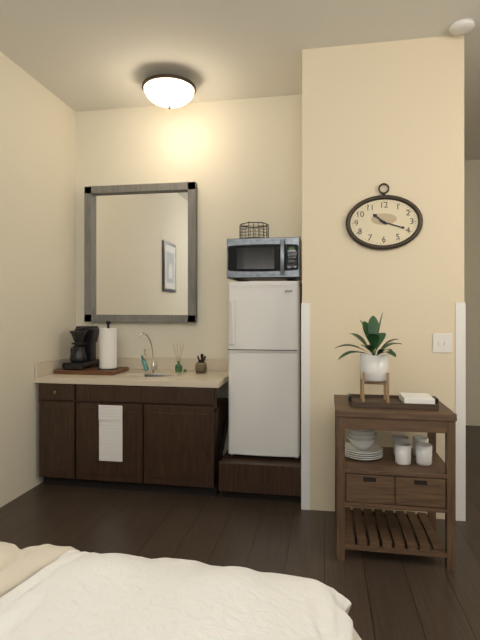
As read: 10:18
